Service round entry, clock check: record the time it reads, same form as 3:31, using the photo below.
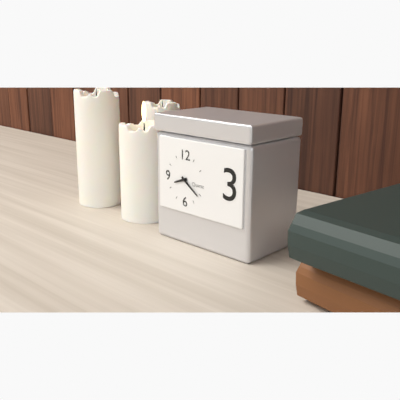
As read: 8:21
